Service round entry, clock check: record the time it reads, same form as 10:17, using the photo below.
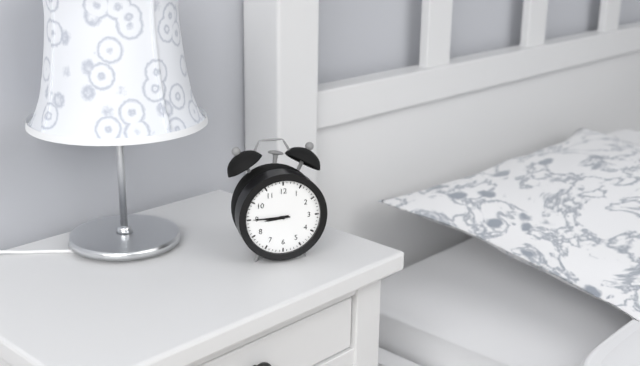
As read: 8:45
